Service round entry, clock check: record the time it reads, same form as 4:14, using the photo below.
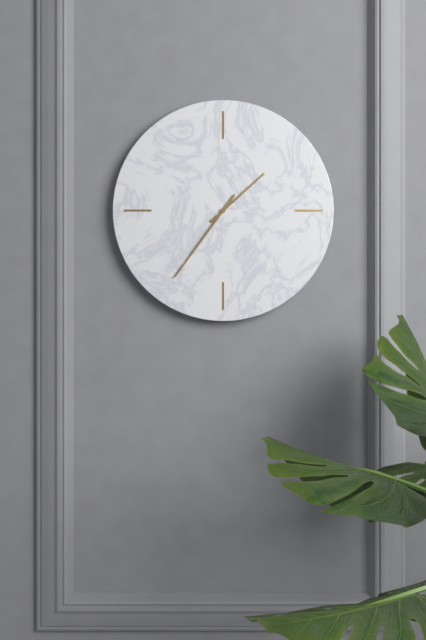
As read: 1:36
